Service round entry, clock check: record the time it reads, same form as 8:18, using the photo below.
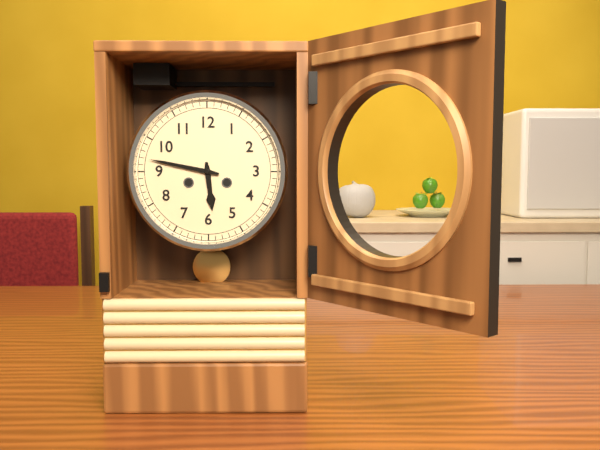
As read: 5:47
